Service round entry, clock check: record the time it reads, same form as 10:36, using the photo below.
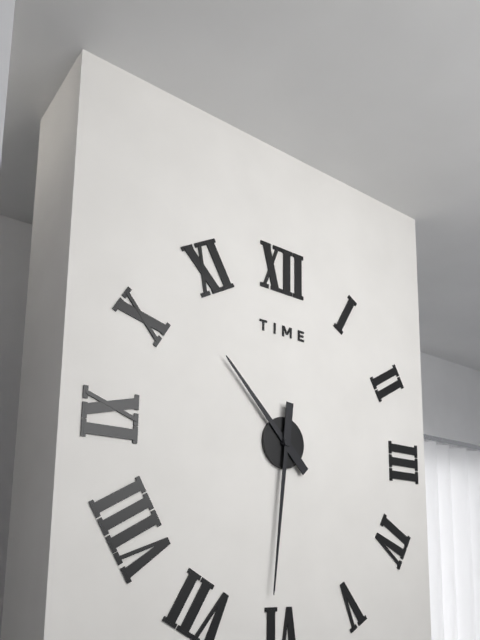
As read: 10:31
